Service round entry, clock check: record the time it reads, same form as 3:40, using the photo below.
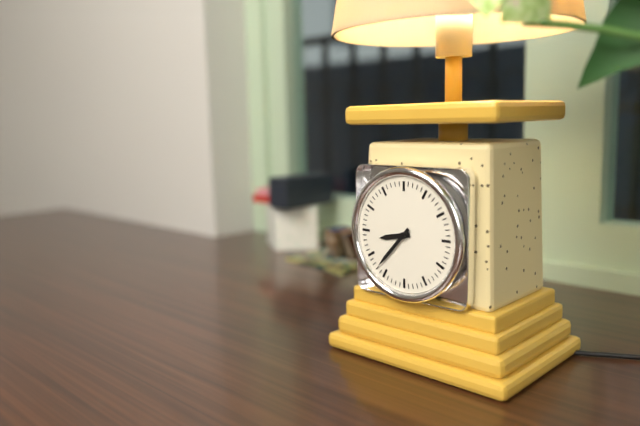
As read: 8:37
